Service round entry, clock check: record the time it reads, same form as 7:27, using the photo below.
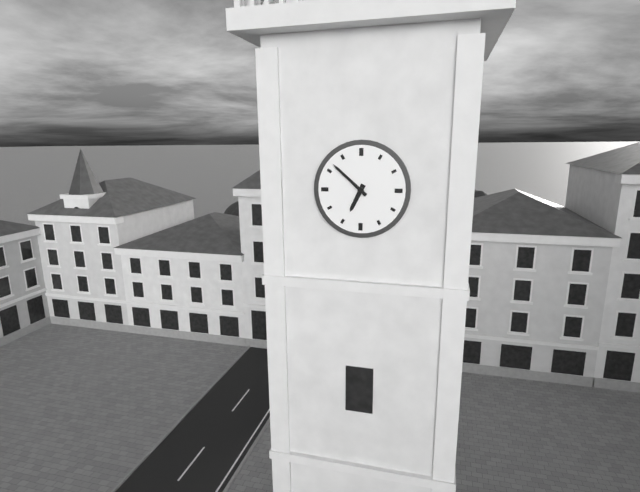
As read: 6:52
